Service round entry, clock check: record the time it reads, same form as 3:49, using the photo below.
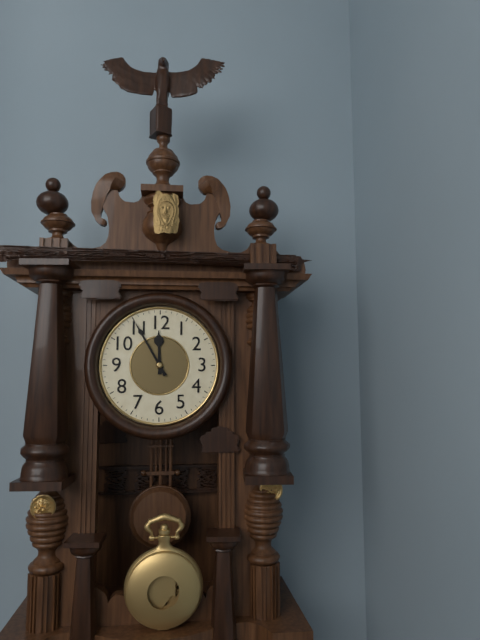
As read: 11:55
